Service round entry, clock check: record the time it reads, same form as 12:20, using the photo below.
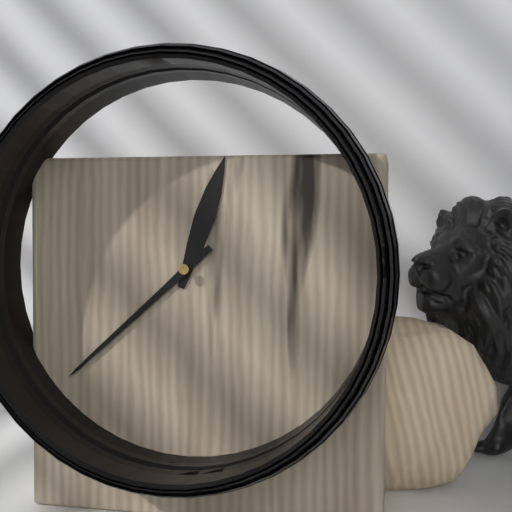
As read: 12:38
